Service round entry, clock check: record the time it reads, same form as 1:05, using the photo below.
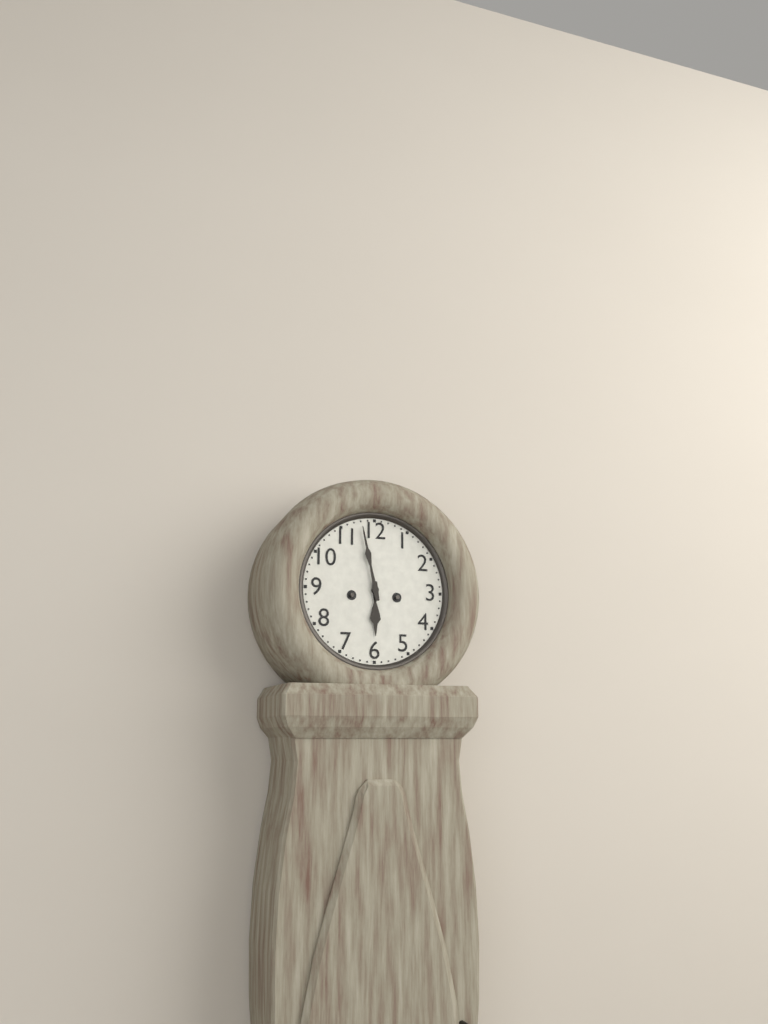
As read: 5:58
